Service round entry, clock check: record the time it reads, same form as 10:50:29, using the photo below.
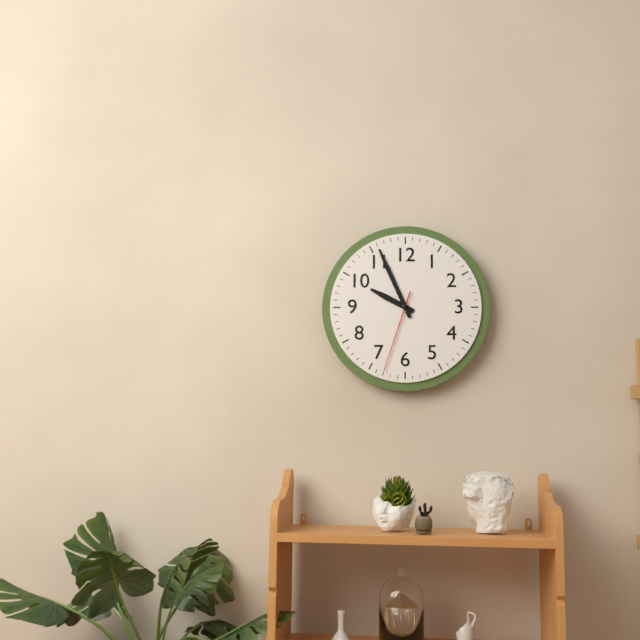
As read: 9:56:33
